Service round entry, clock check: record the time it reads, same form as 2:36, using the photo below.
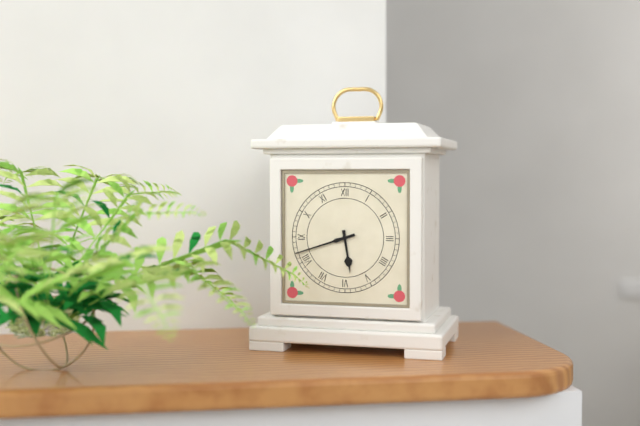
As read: 5:42
